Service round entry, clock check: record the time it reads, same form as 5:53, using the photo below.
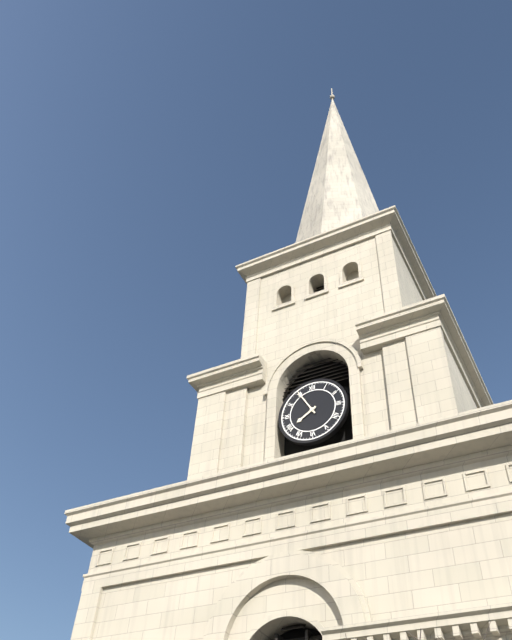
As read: 7:55
